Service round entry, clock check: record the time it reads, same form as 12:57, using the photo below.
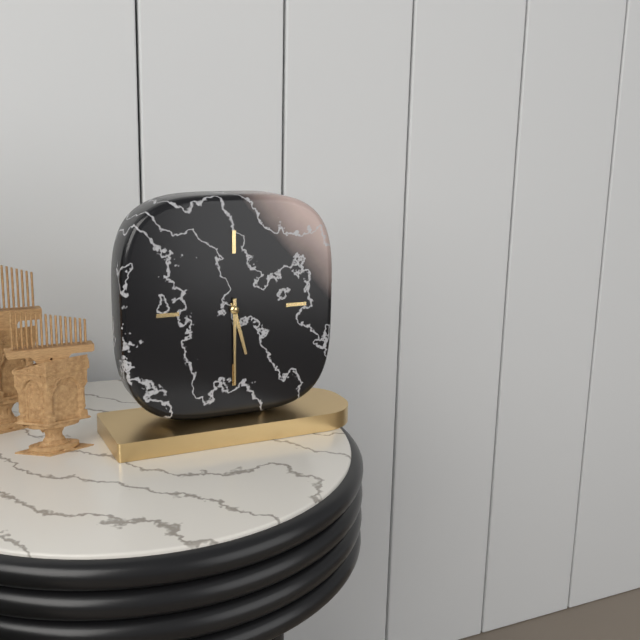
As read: 5:30
